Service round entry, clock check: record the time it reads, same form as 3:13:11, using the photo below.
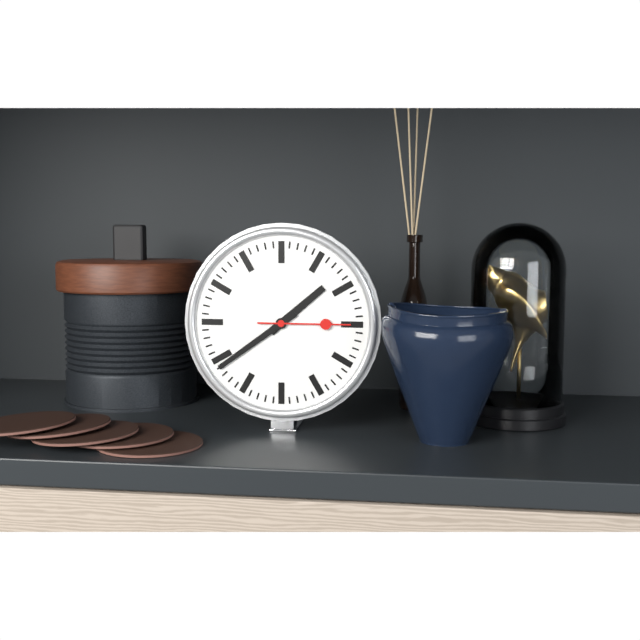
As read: 1:39:15
